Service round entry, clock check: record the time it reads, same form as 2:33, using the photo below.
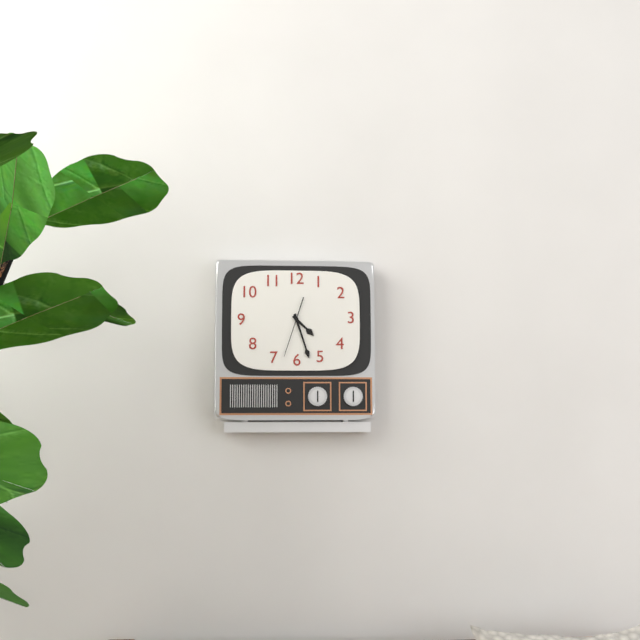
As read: 4:27
